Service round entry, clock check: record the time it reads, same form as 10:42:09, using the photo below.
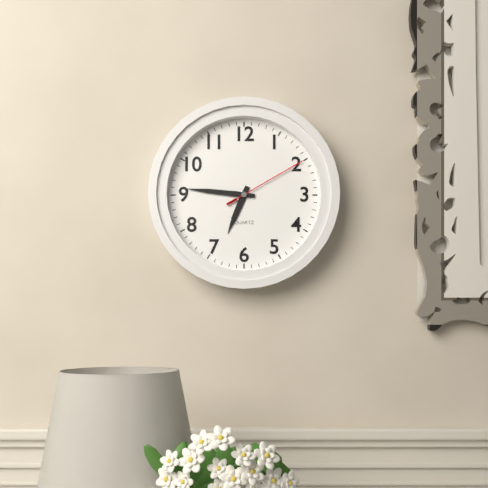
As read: 6:46:10
